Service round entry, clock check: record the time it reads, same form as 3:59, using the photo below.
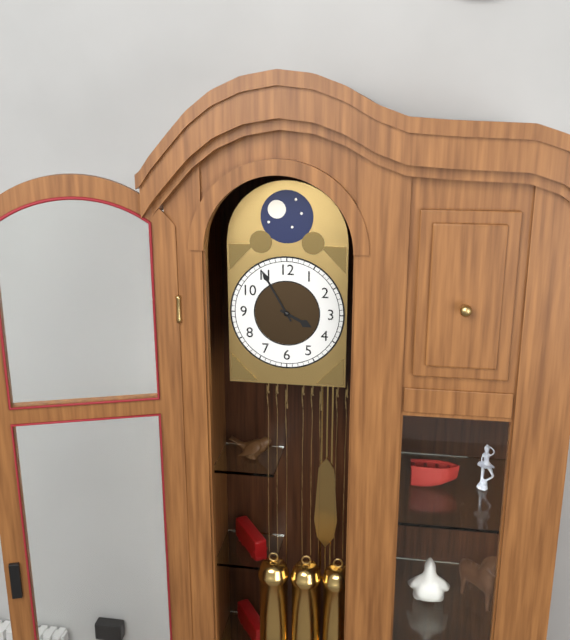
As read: 3:55
